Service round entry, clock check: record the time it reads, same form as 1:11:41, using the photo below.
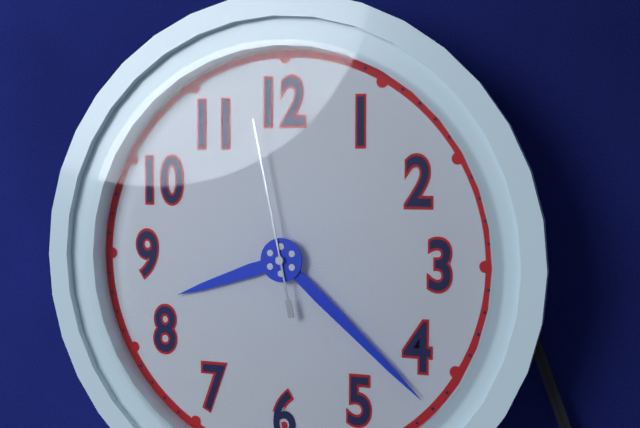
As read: 8:22:58
